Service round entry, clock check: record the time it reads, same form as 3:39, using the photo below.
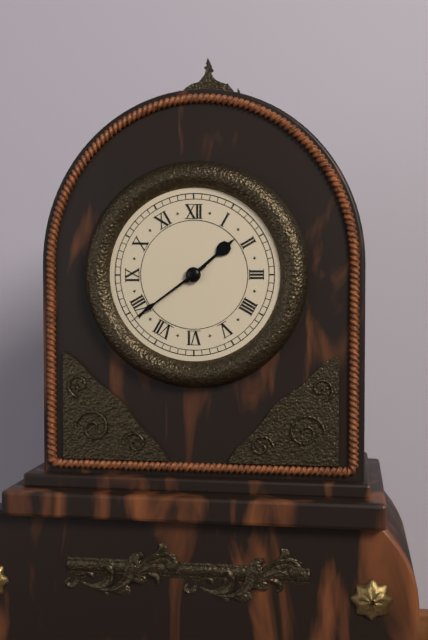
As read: 1:39
